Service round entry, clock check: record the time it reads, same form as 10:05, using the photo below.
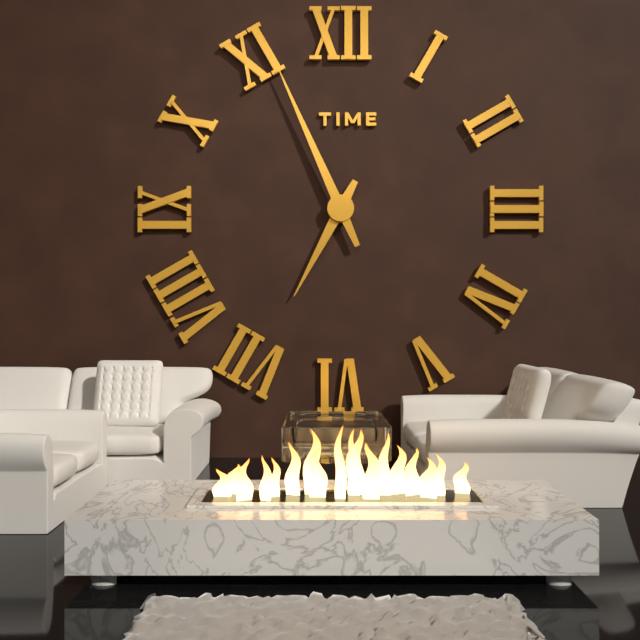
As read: 6:56
